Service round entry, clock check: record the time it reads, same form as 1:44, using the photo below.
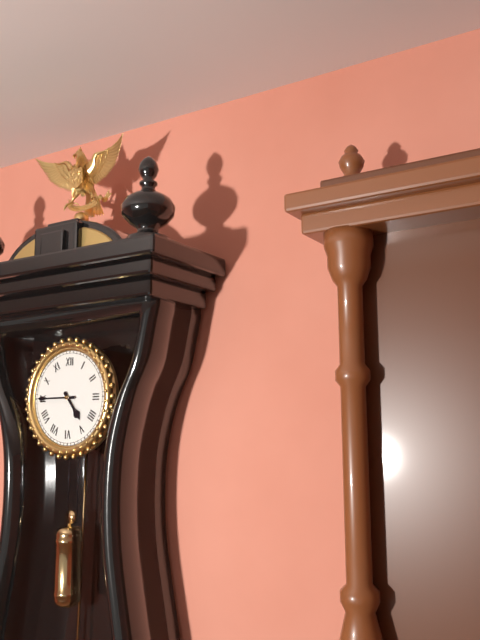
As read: 4:45
